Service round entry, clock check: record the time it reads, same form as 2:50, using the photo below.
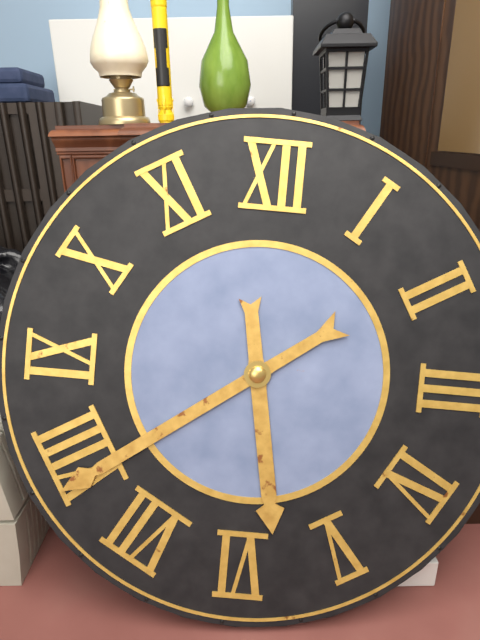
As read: 5:39
